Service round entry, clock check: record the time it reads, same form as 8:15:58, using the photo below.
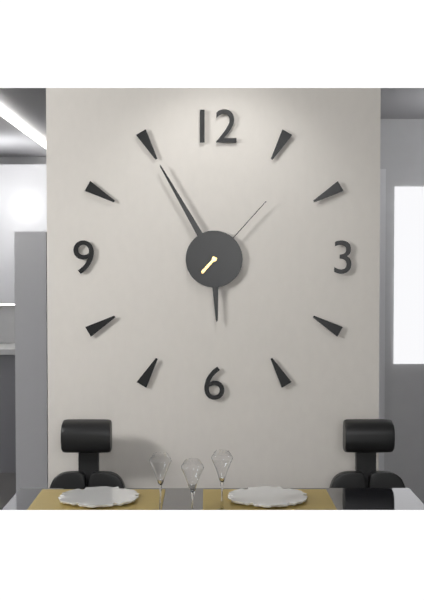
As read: 5:55:07
